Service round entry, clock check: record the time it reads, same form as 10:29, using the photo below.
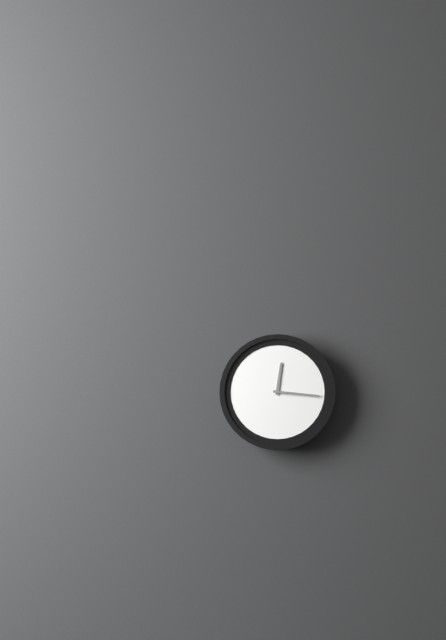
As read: 12:16
